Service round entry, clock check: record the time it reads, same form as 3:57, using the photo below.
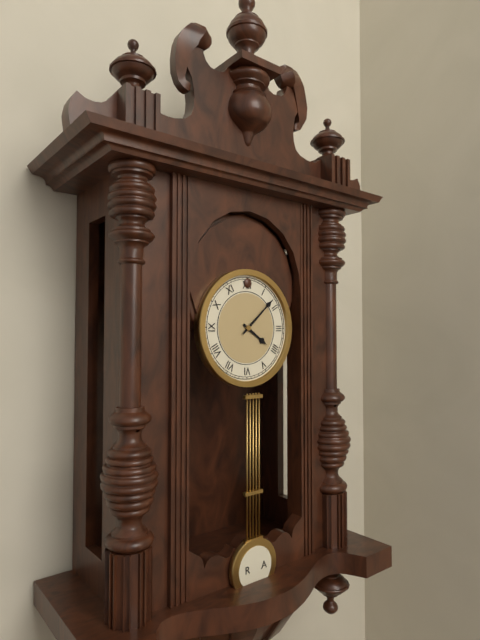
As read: 4:08
